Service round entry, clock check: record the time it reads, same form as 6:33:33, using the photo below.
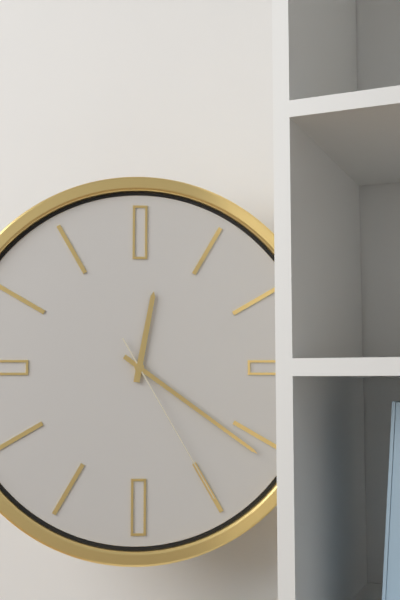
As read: 12:21:25
